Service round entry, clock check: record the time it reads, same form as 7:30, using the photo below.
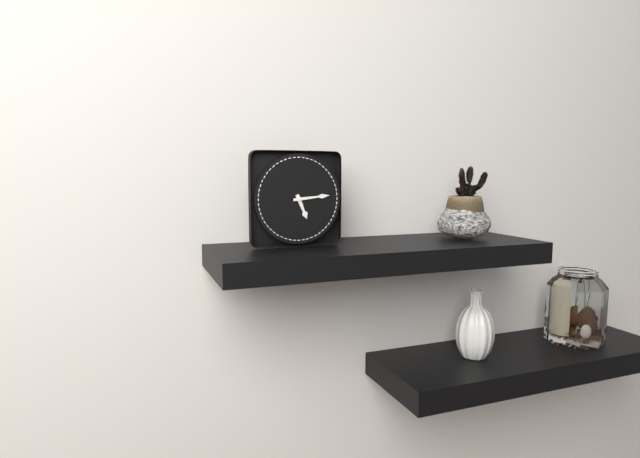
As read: 5:14
